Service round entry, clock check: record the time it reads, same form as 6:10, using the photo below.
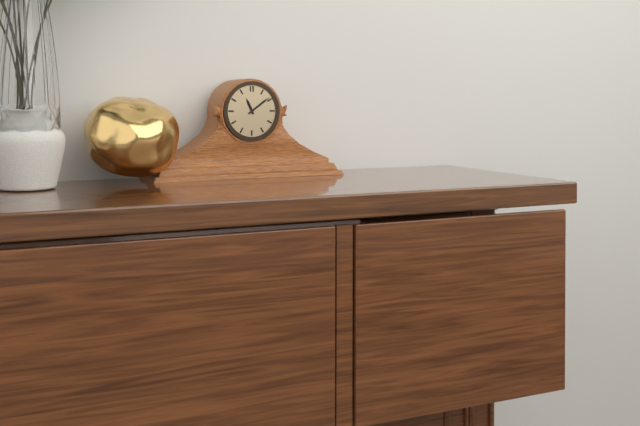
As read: 11:09
